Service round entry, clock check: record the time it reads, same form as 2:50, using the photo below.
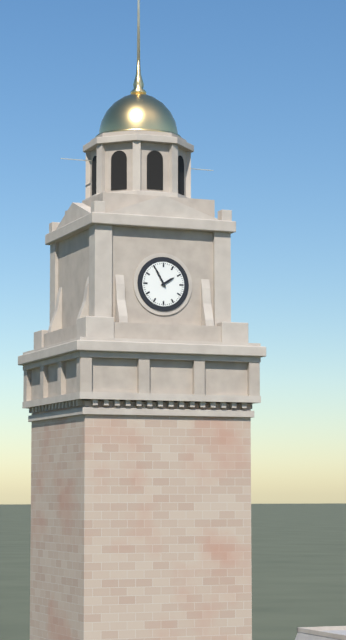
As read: 1:55
